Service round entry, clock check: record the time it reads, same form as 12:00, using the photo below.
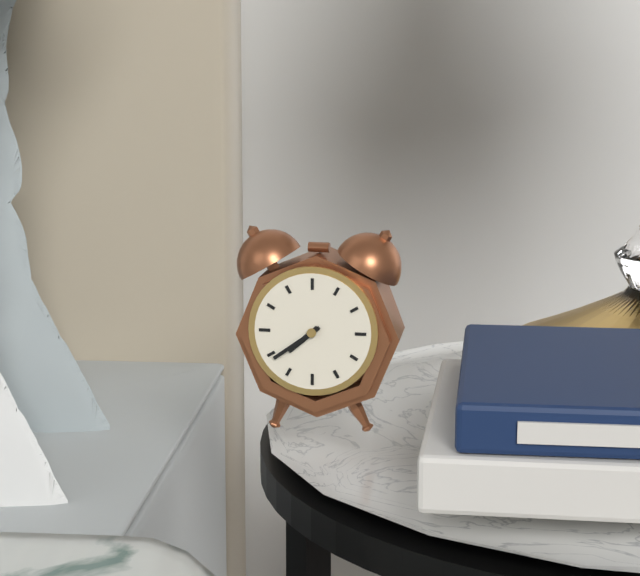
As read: 7:39
